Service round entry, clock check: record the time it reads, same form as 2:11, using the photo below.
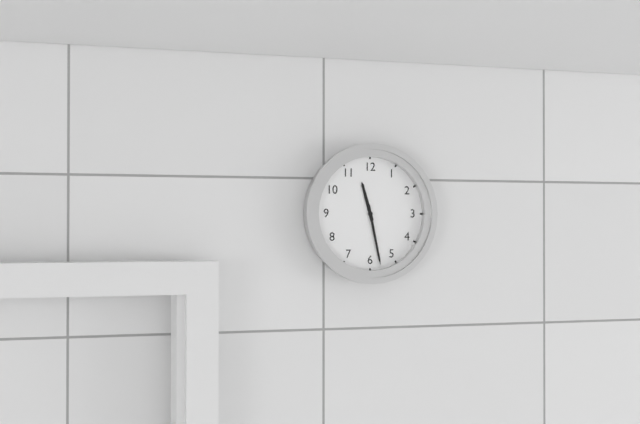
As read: 11:28
